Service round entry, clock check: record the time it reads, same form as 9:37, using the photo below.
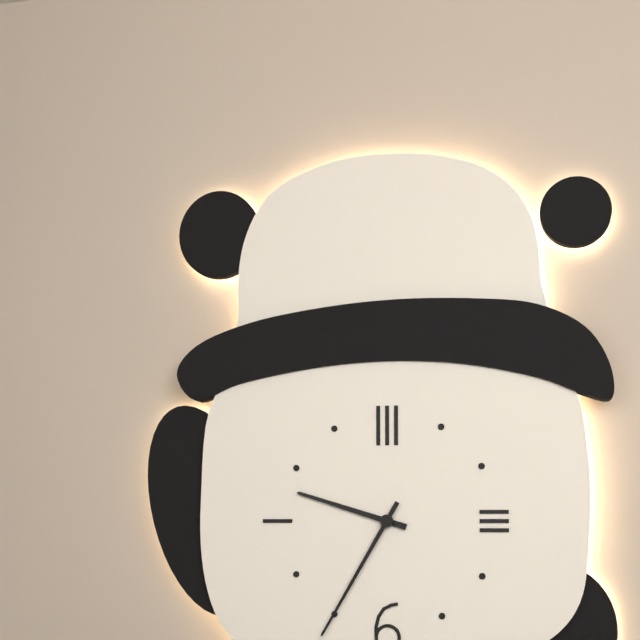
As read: 9:35
